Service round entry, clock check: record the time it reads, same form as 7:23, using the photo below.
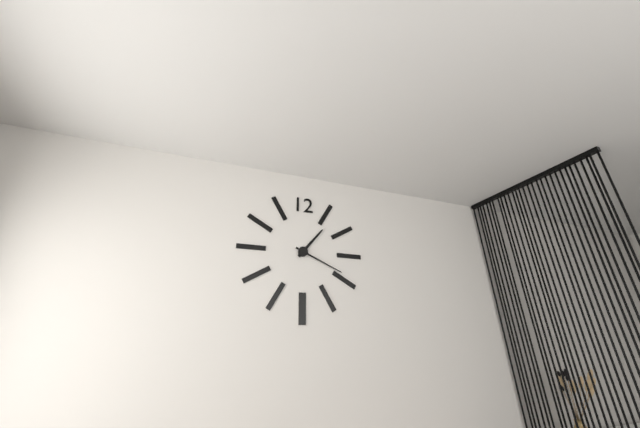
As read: 1:19
